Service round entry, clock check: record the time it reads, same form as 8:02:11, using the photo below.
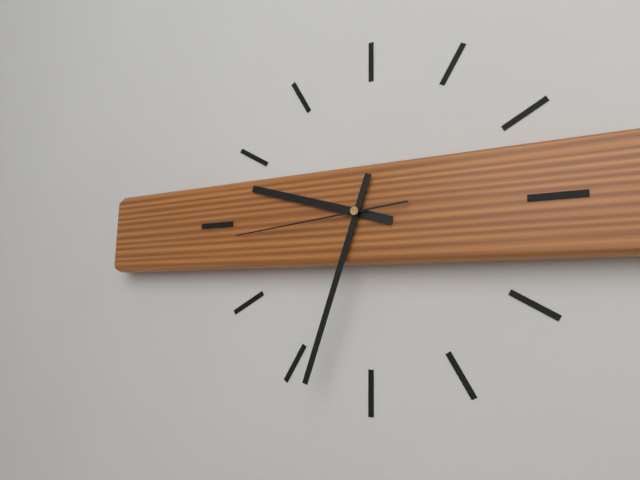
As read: 9:33:44
